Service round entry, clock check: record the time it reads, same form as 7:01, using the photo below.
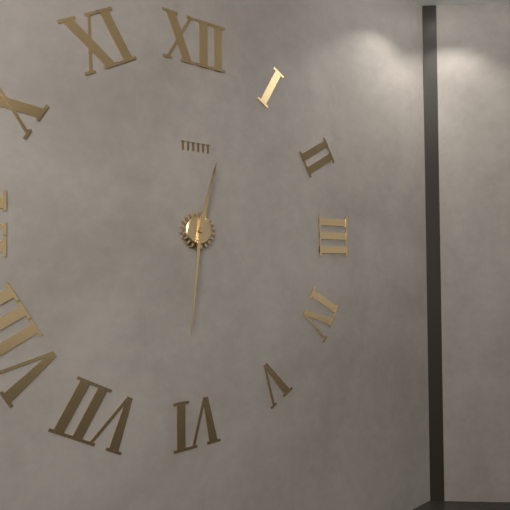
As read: 12:31
